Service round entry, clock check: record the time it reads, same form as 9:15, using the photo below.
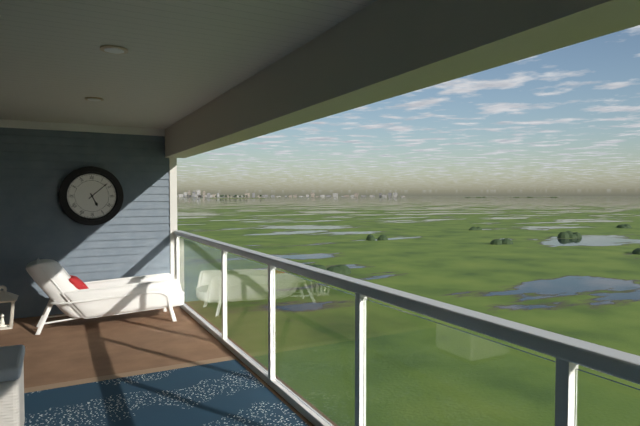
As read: 5:08
